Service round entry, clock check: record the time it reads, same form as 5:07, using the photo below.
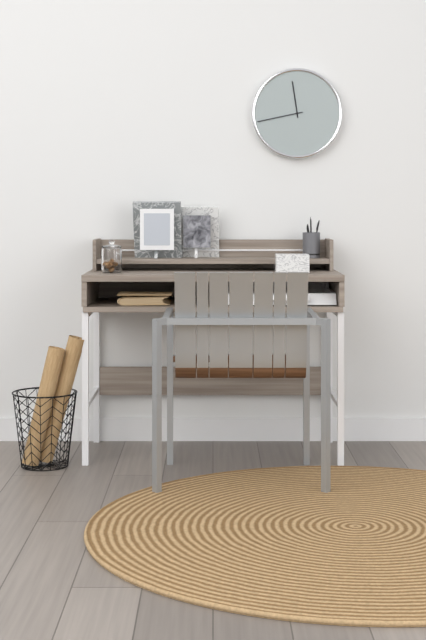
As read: 11:43
